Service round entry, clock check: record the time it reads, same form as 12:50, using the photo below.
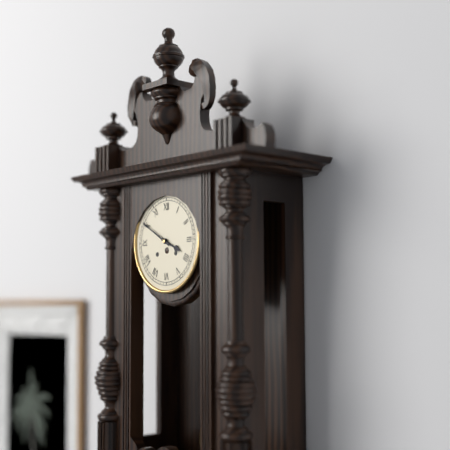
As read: 3:50
